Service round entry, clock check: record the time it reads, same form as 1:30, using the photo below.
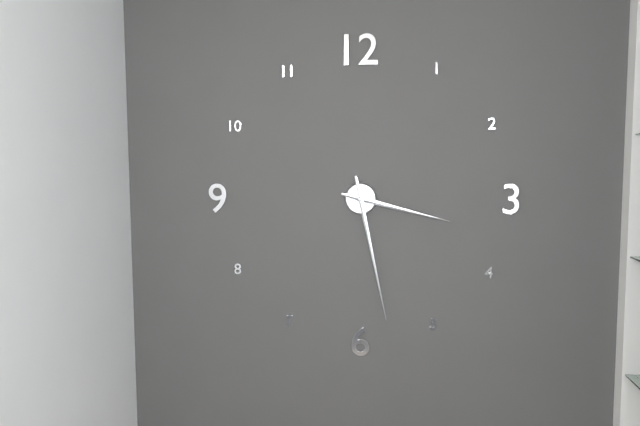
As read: 3:28
